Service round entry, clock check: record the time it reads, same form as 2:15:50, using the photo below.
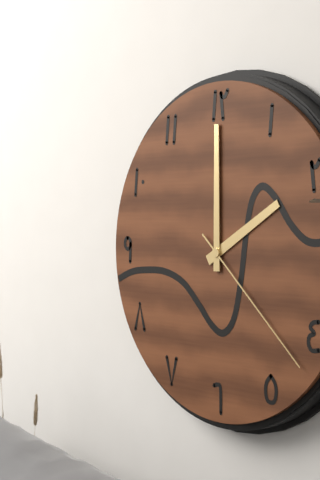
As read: 2:00:22
